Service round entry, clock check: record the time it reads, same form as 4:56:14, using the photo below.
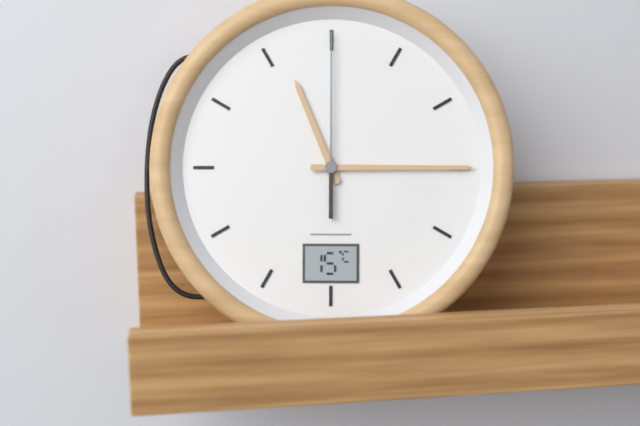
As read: 11:15:00
